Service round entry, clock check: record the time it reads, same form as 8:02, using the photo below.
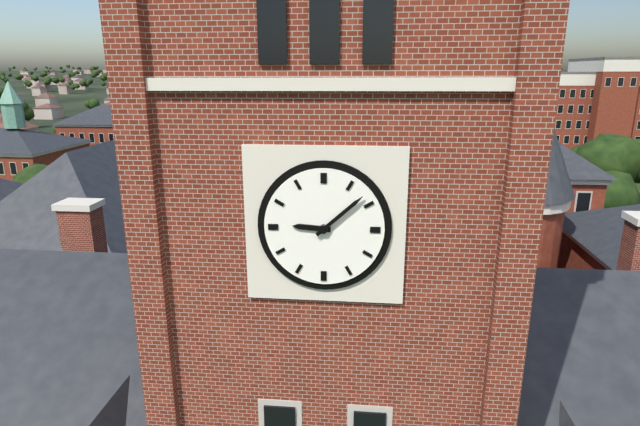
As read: 9:08
